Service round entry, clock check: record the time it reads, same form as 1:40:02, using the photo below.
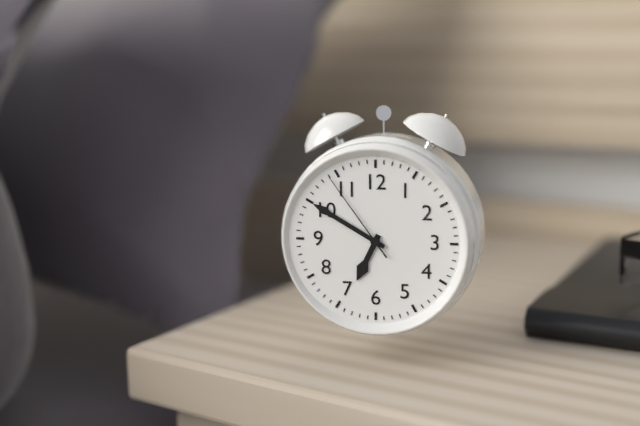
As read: 6:50:54
